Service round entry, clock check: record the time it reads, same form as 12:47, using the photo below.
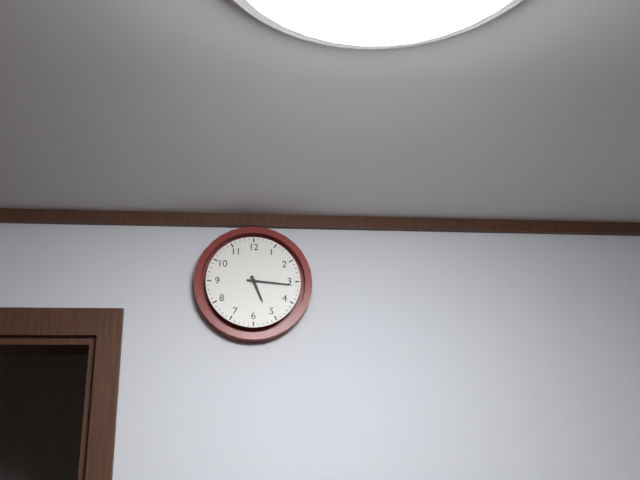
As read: 5:16
